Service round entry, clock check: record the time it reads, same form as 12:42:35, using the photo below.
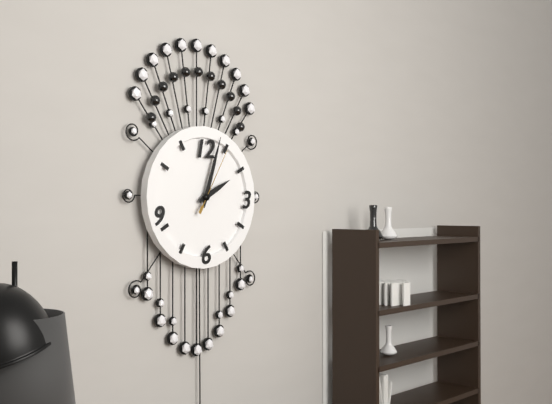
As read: 2:03:05
